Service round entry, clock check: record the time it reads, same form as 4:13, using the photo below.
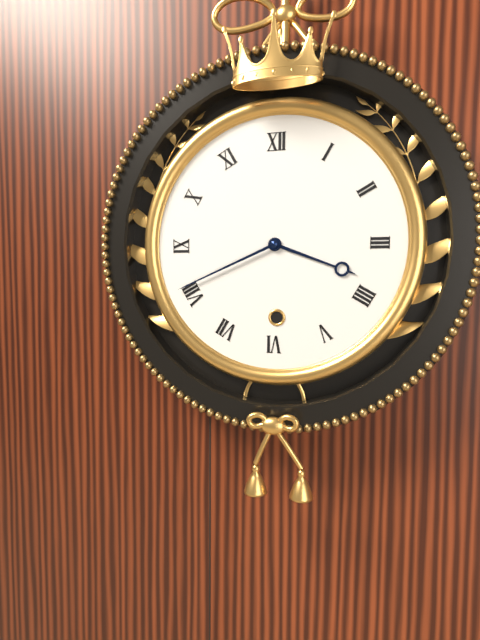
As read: 3:41
